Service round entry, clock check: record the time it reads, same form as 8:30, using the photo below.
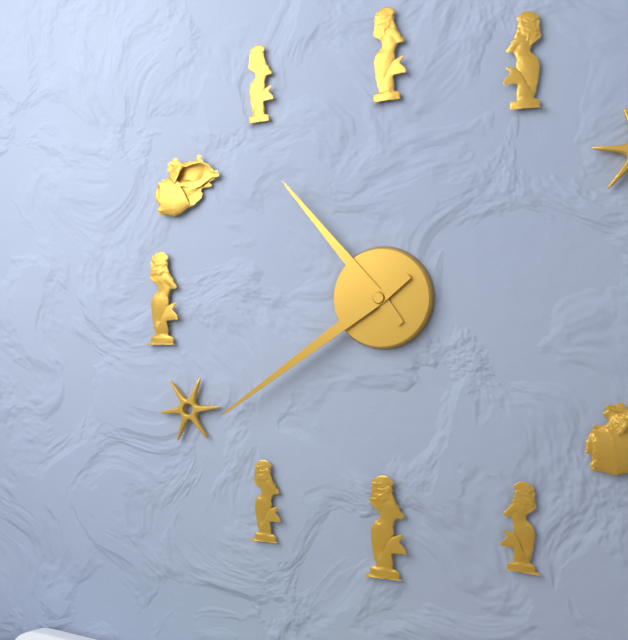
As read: 10:39
